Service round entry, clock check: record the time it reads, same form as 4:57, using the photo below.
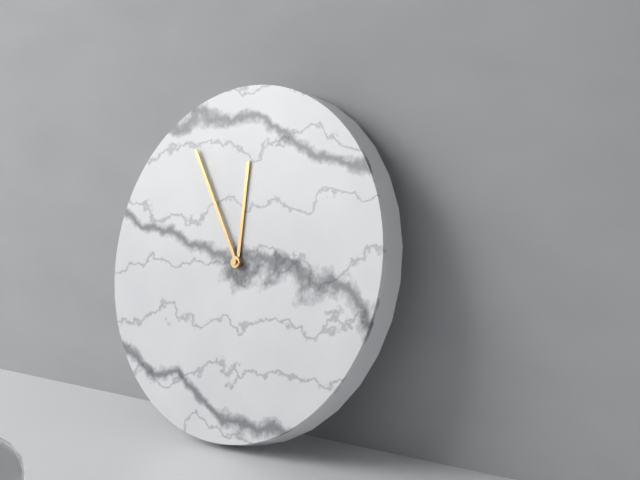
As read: 11:54
